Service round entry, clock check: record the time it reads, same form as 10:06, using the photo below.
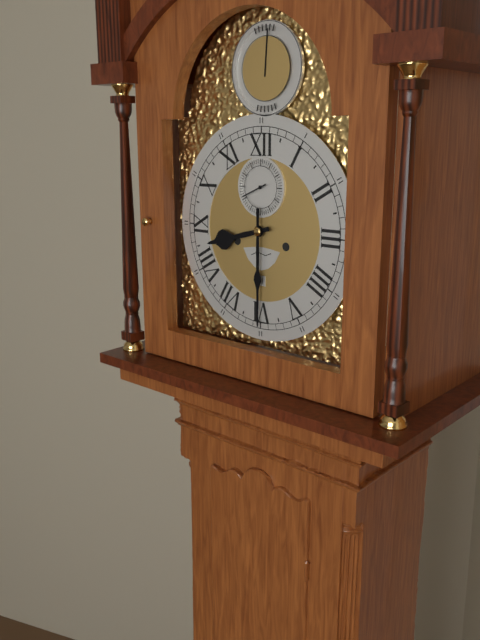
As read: 8:30
